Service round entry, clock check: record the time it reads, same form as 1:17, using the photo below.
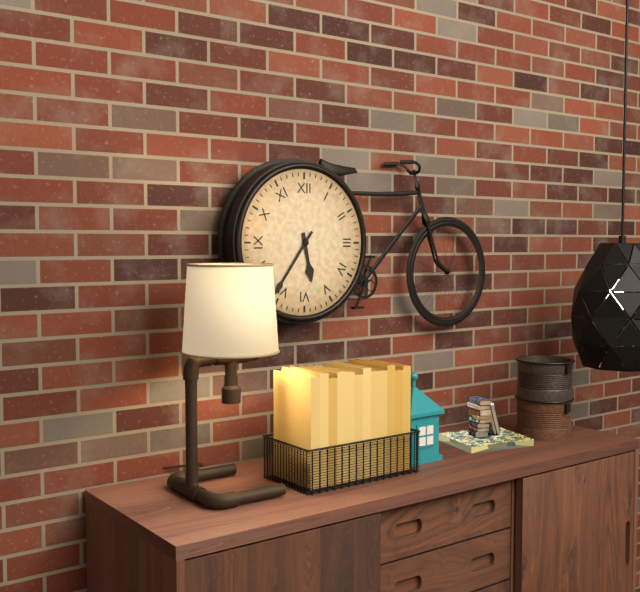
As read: 5:36
